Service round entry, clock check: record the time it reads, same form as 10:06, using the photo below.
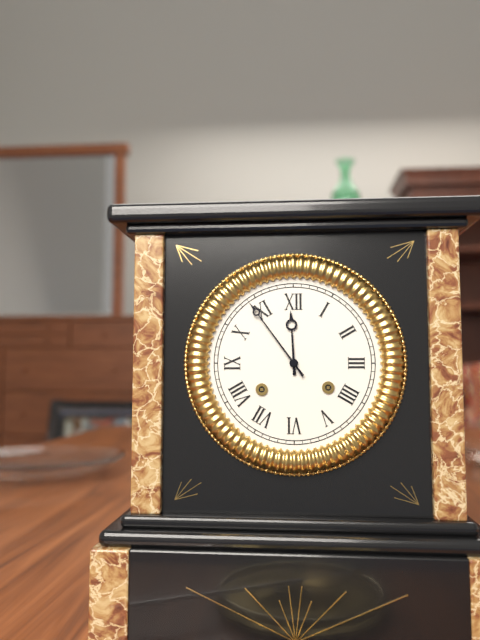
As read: 11:54
